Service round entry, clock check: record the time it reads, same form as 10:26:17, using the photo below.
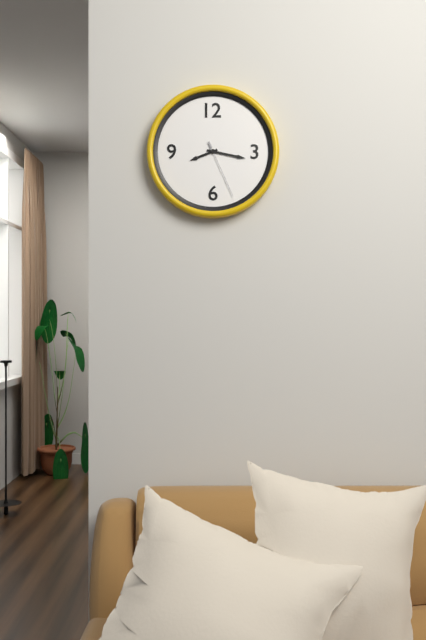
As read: 8:17:26
